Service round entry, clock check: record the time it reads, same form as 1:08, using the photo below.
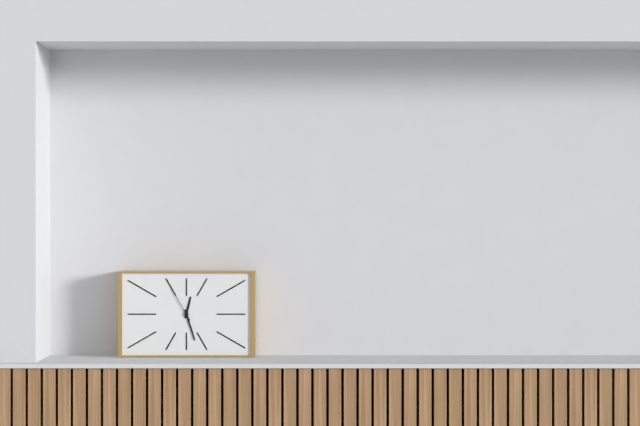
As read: 12:27
